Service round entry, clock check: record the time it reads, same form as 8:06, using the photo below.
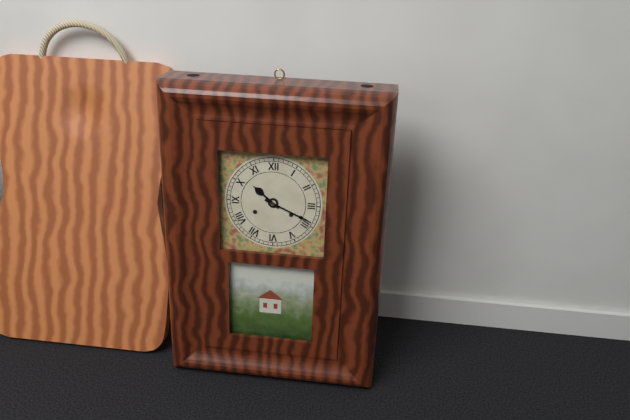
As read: 10:19
